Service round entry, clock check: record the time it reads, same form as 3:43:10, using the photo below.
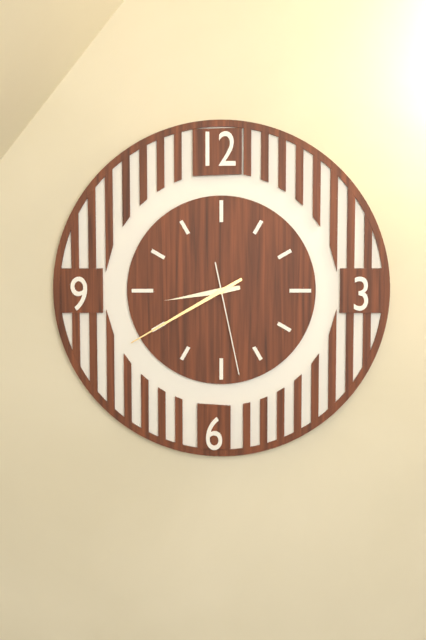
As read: 8:40:28
